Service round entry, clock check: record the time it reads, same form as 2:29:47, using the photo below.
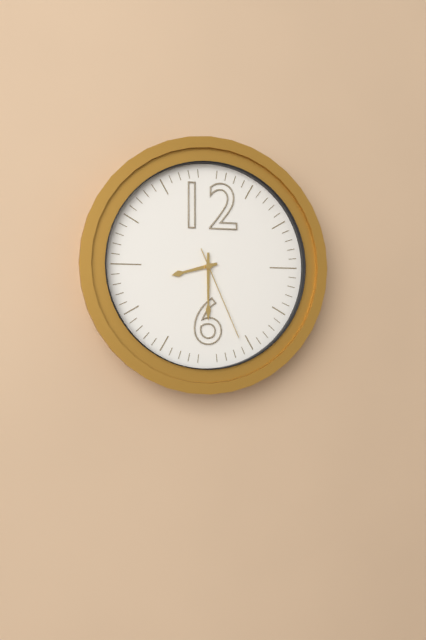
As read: 8:30:26
